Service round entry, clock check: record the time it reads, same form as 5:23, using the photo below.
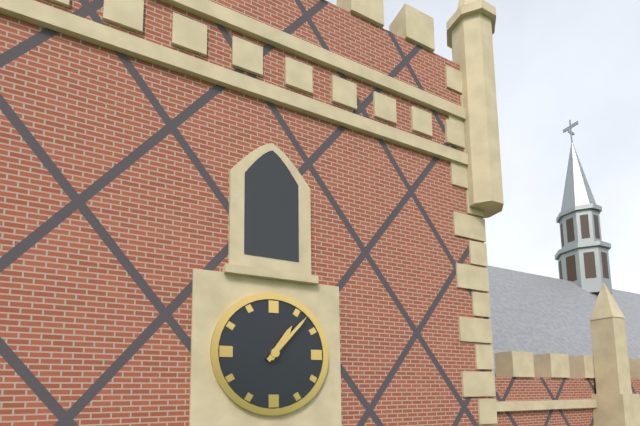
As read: 1:07
